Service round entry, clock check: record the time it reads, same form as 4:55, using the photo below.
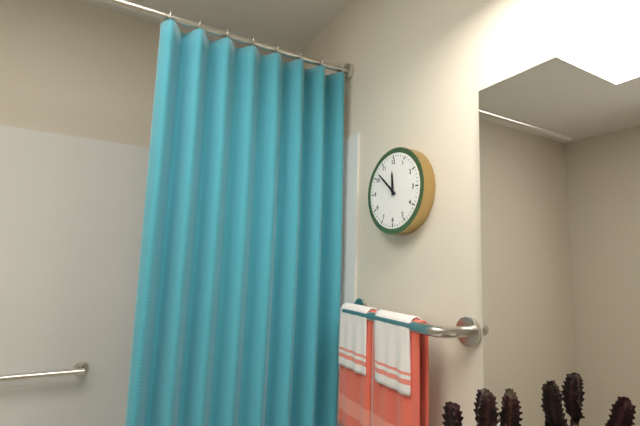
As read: 11:52
